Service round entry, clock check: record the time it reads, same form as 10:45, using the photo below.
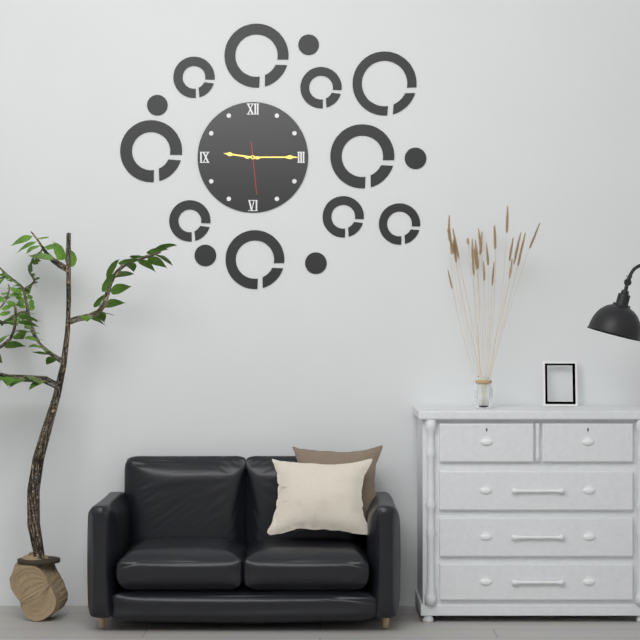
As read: 9:15
